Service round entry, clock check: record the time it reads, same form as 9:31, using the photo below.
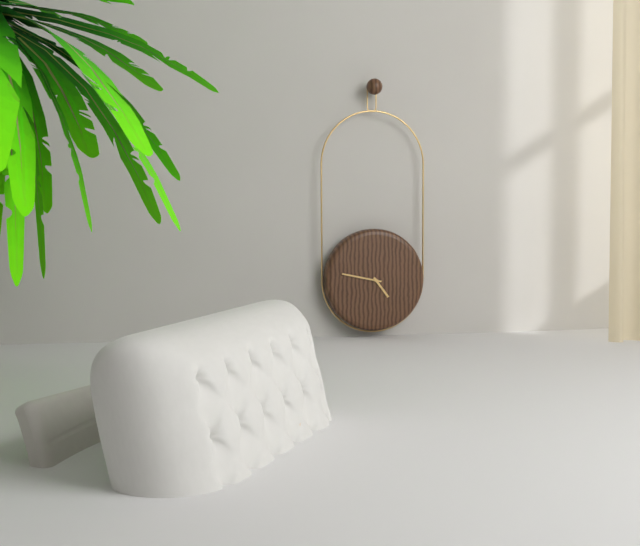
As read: 4:47
